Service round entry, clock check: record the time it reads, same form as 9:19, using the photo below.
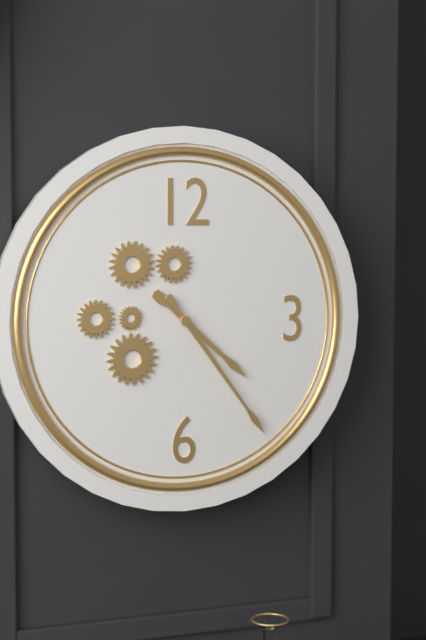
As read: 4:24
